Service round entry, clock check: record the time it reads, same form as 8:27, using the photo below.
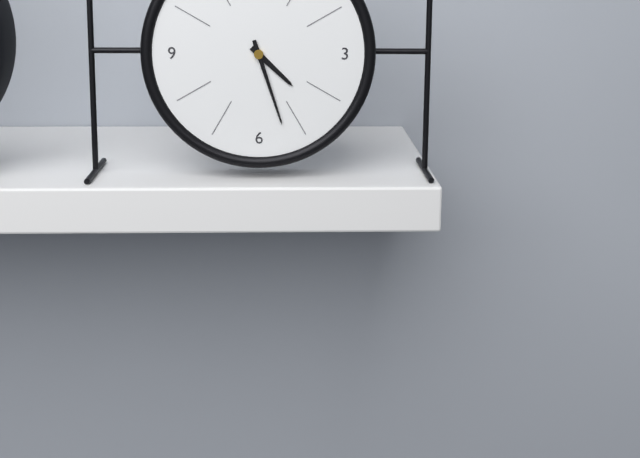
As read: 4:27
